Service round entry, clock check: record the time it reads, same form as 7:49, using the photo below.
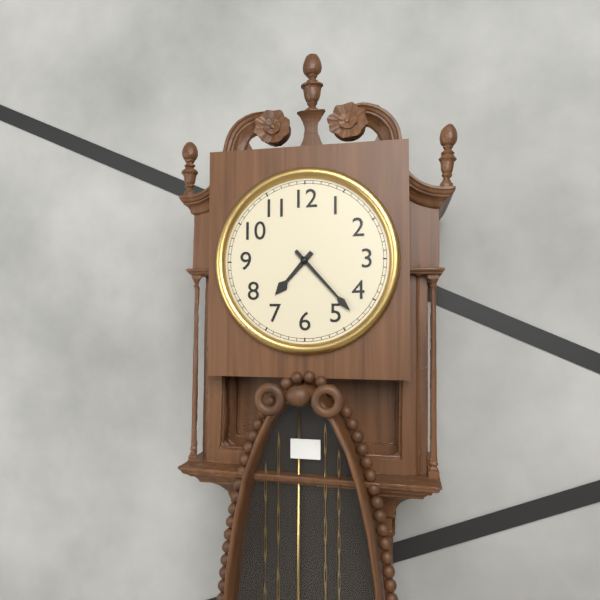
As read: 7:23
